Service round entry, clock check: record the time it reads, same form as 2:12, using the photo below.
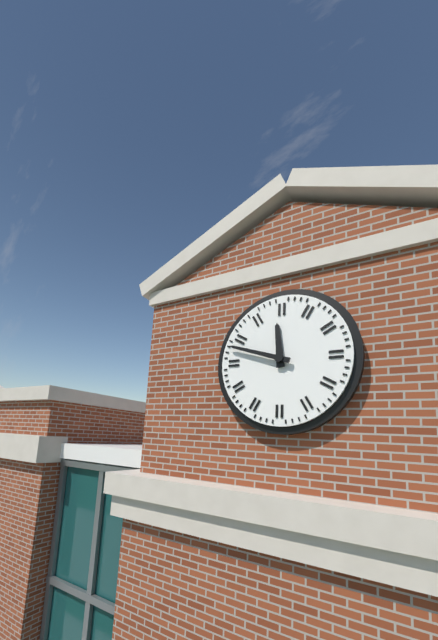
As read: 11:48
